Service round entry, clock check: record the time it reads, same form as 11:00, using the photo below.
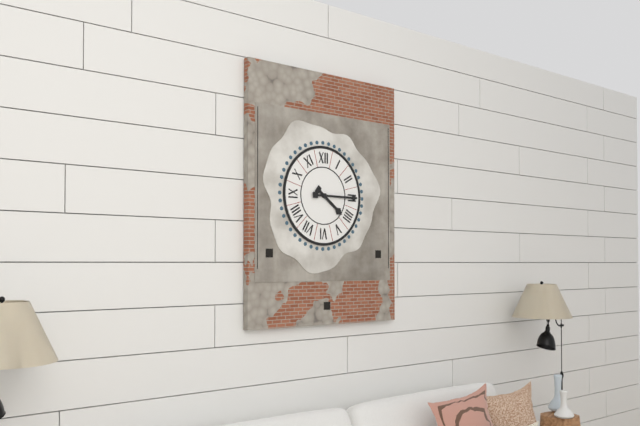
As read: 4:15
